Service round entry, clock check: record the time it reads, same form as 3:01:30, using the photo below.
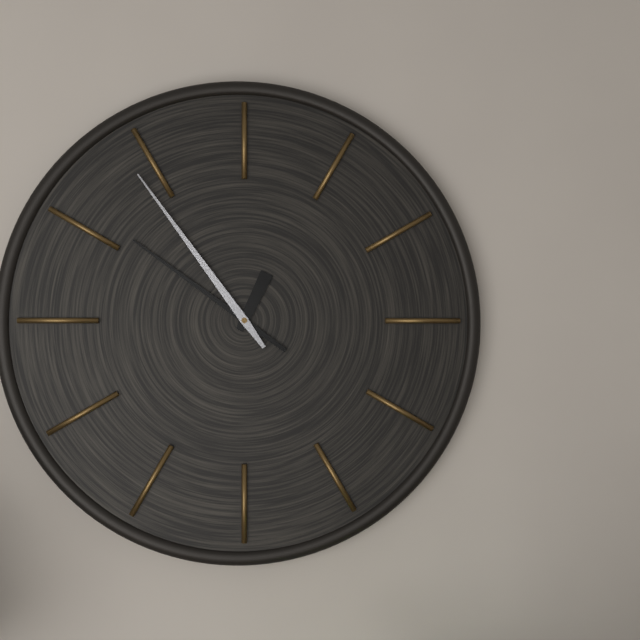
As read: 12:51:54
